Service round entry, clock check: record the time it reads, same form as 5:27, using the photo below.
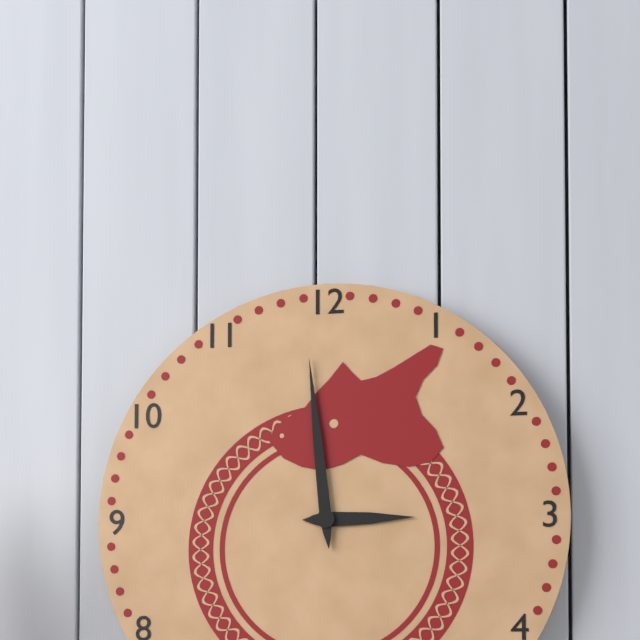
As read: 2:59
